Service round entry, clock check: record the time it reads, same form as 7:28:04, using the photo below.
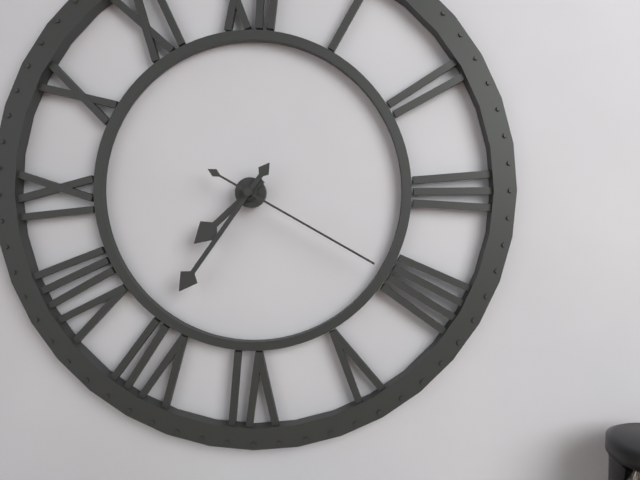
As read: 7:36:20
